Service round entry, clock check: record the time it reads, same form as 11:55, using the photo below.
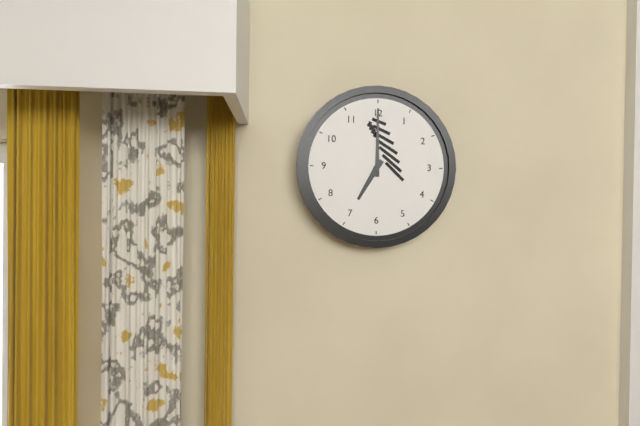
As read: 7:00
